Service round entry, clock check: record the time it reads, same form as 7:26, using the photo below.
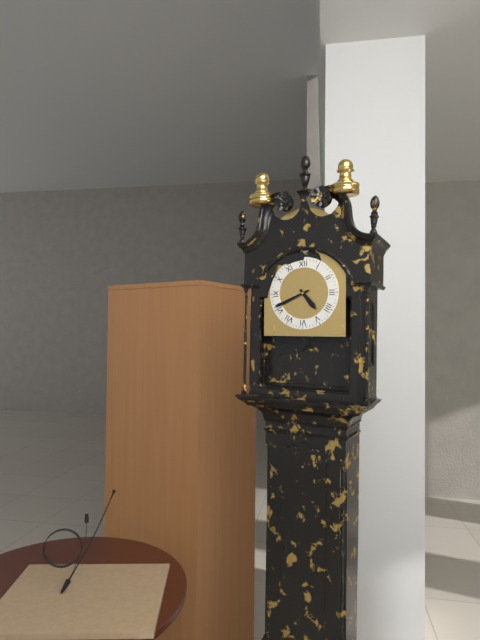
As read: 4:41
